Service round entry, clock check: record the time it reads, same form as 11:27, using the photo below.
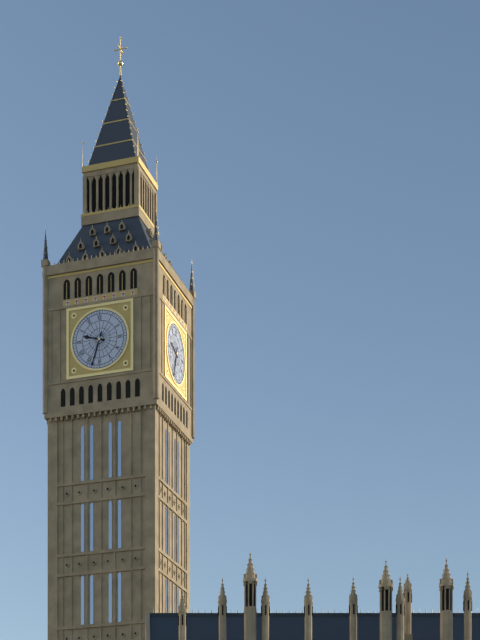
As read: 9:33
